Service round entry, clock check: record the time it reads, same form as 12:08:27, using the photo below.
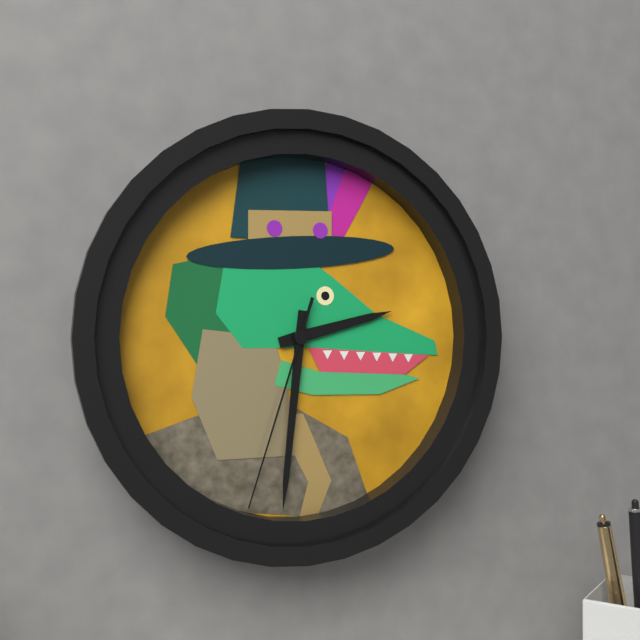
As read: 2:31:33
